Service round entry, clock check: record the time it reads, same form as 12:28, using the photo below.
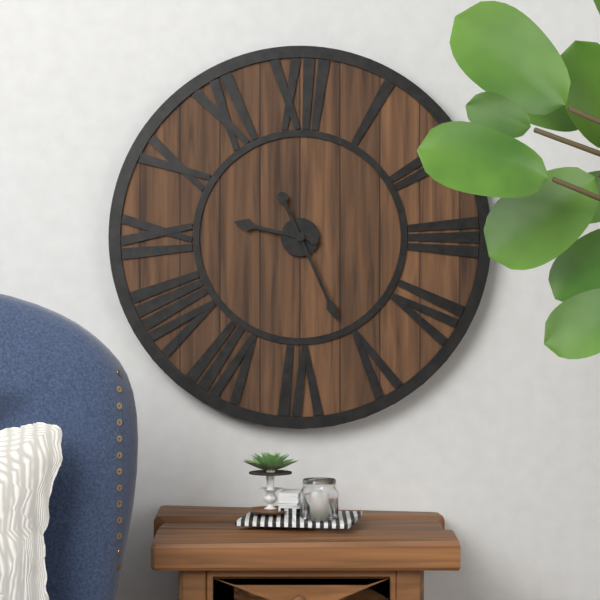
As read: 9:26
